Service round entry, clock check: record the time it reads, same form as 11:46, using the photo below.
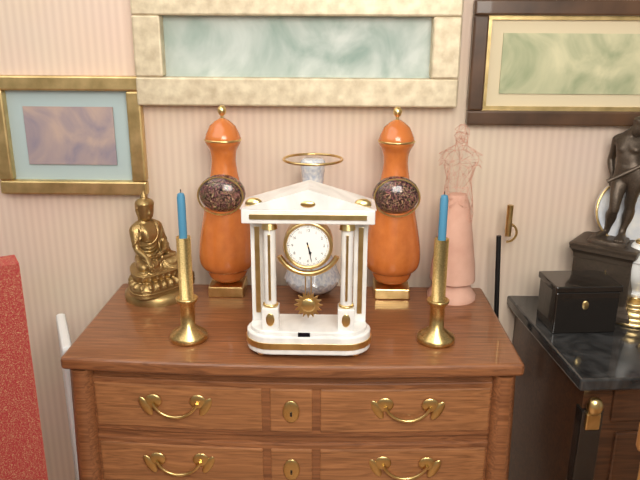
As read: 5:28
